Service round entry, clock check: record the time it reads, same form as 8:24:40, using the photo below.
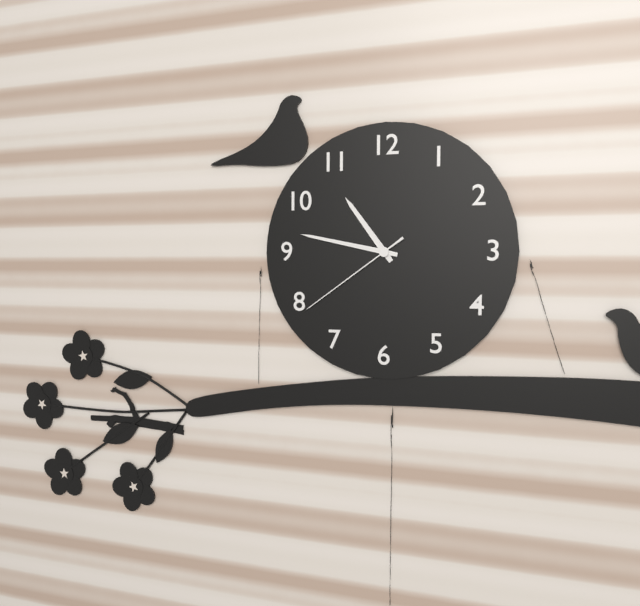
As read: 10:47:39
